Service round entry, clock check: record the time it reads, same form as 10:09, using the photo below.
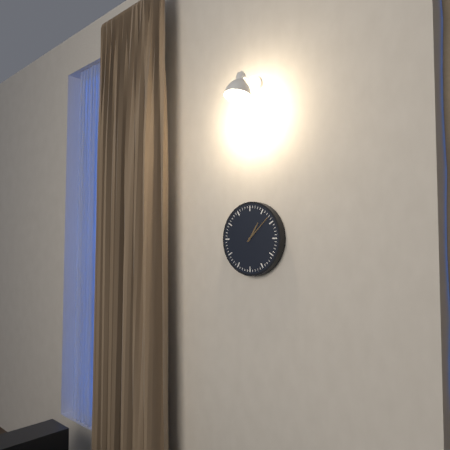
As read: 1:08
